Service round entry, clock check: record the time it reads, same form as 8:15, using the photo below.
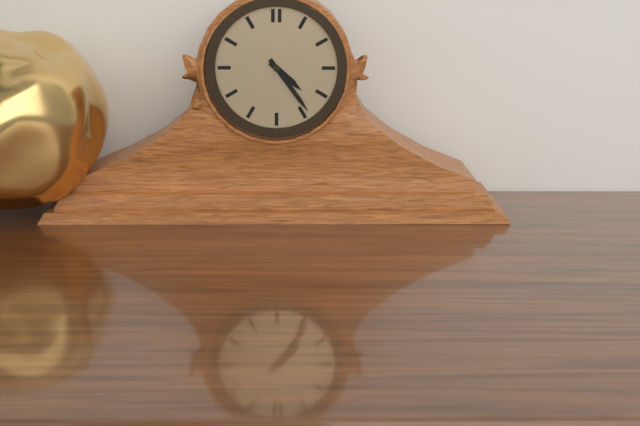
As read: 4:24
